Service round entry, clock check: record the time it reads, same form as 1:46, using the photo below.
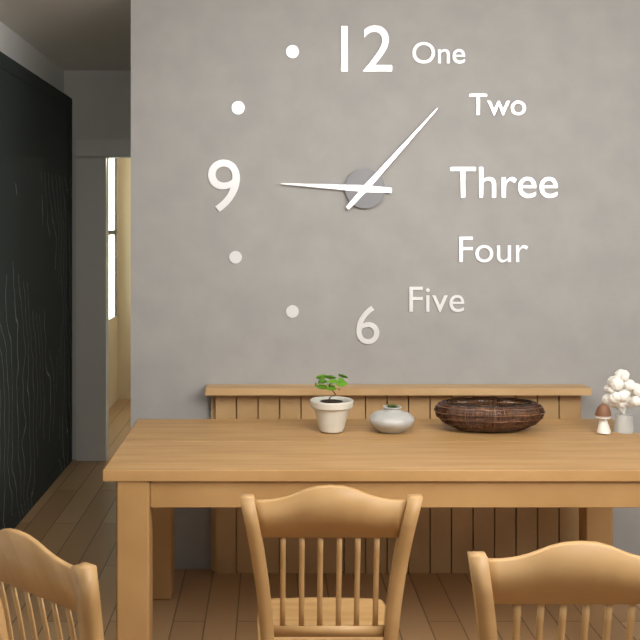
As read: 9:07
